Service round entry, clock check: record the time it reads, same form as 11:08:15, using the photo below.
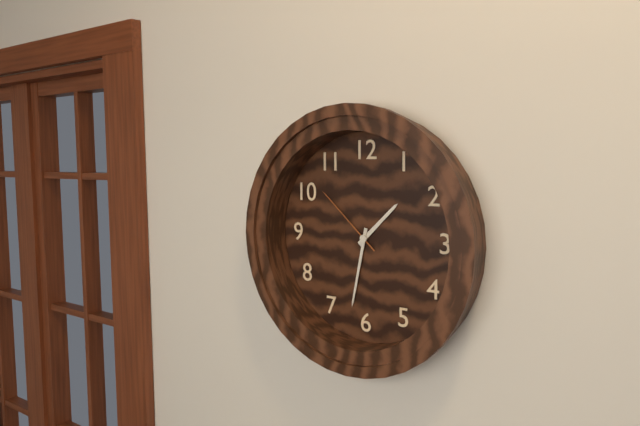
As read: 1:32:52
